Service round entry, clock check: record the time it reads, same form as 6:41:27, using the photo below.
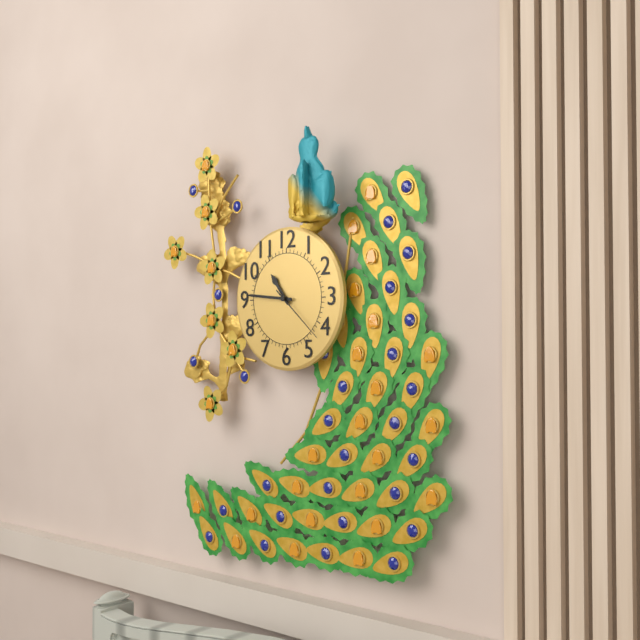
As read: 10:46:22
